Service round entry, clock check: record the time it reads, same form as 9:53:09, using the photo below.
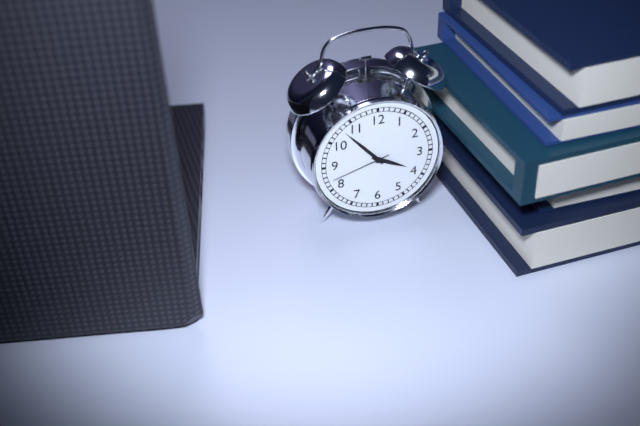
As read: 3:53:42
